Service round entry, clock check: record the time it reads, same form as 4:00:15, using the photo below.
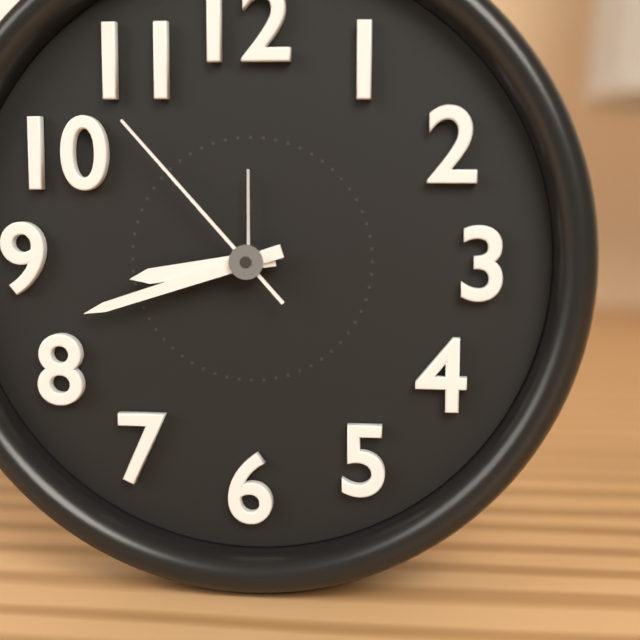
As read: 8:42:53
